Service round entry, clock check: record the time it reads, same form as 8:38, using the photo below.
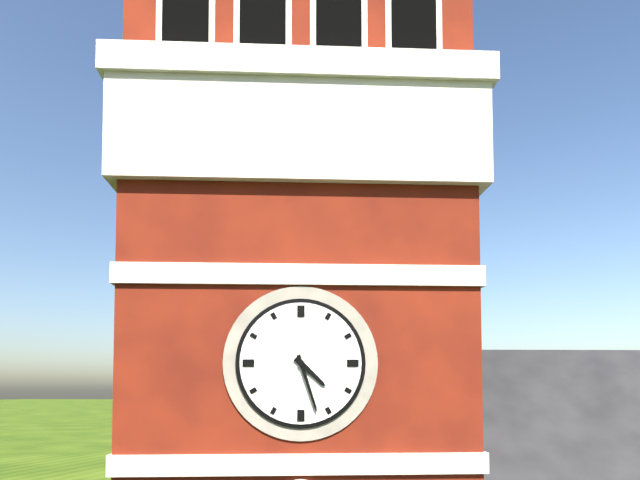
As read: 4:27
